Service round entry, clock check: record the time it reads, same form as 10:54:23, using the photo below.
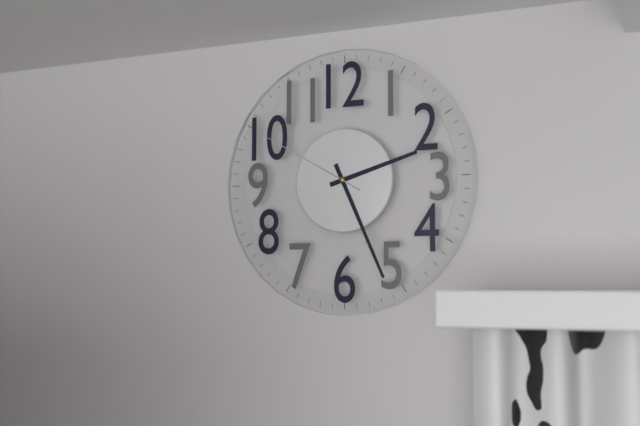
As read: 2:26:50
